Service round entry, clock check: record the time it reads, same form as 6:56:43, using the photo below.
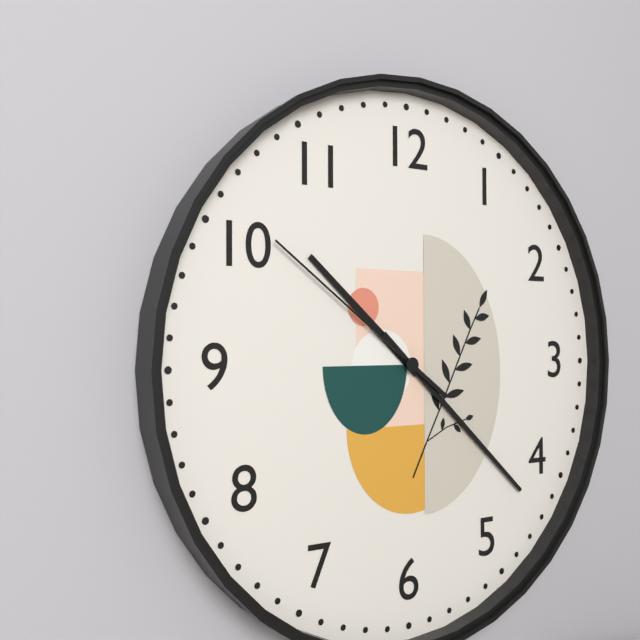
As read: 10:22:51
